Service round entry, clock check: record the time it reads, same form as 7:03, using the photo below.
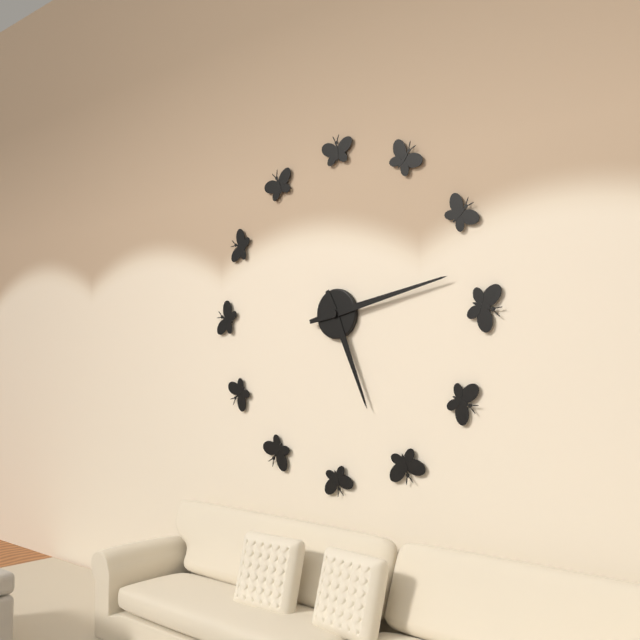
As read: 5:13
